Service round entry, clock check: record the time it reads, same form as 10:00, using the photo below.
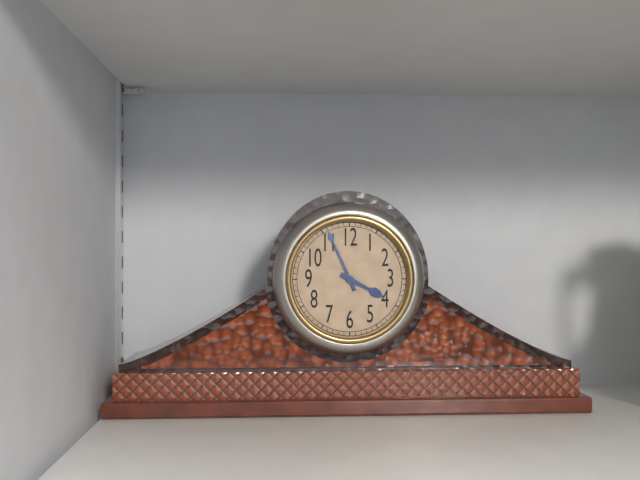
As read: 3:56
